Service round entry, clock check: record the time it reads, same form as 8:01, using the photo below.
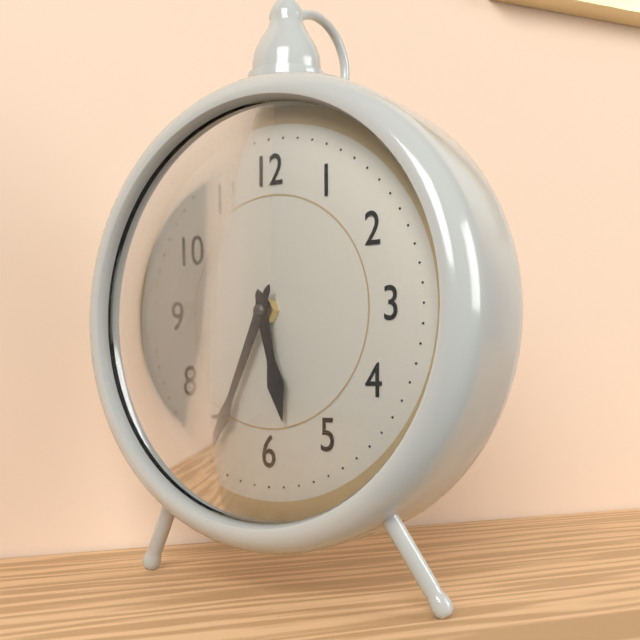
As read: 5:34
